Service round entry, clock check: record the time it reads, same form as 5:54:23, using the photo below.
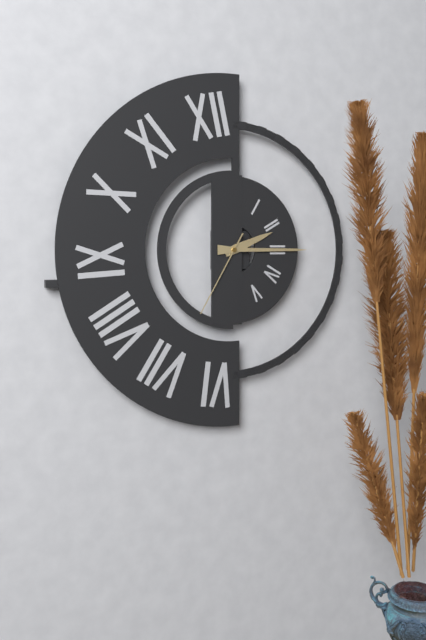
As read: 2:15:35
